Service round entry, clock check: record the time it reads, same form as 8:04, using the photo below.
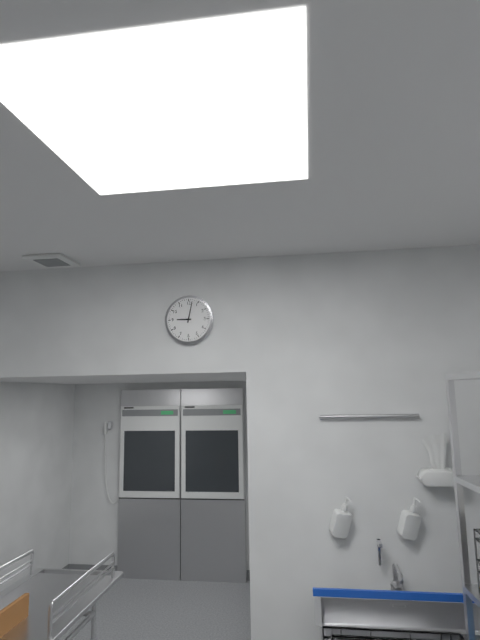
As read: 9:02
